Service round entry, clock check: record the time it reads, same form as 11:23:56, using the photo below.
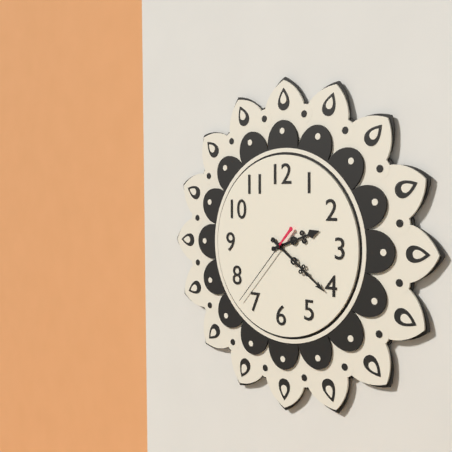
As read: 2:21:37
